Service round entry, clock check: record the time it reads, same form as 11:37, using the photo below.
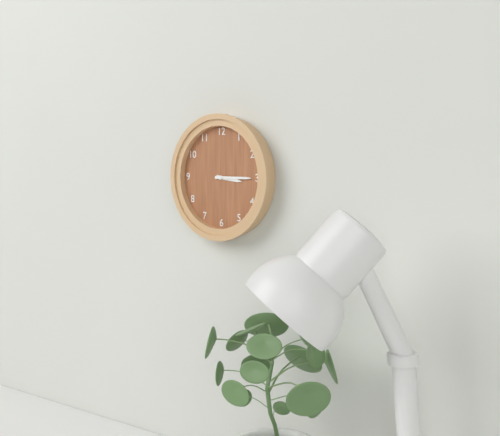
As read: 3:15
